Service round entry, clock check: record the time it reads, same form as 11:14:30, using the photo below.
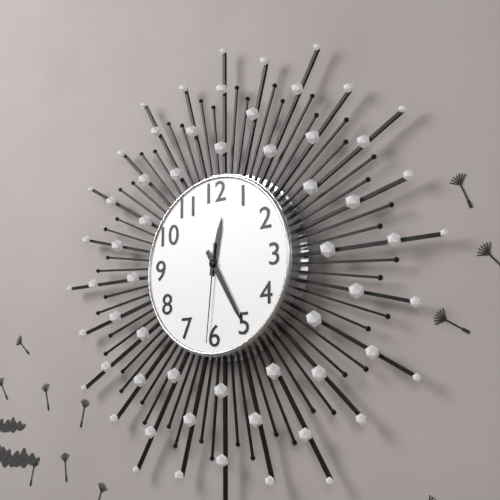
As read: 12:25:31
